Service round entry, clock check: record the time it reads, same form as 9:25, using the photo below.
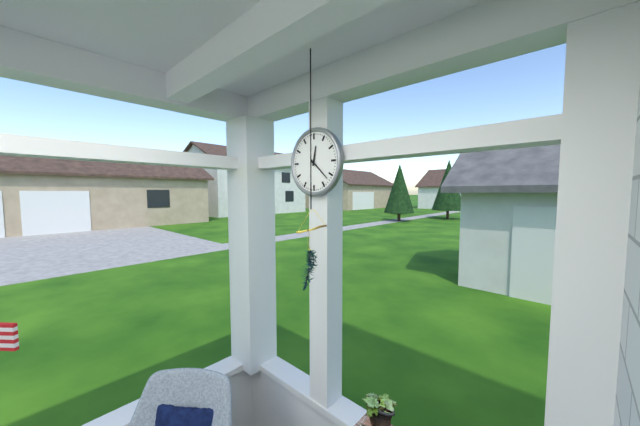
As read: 12:22
